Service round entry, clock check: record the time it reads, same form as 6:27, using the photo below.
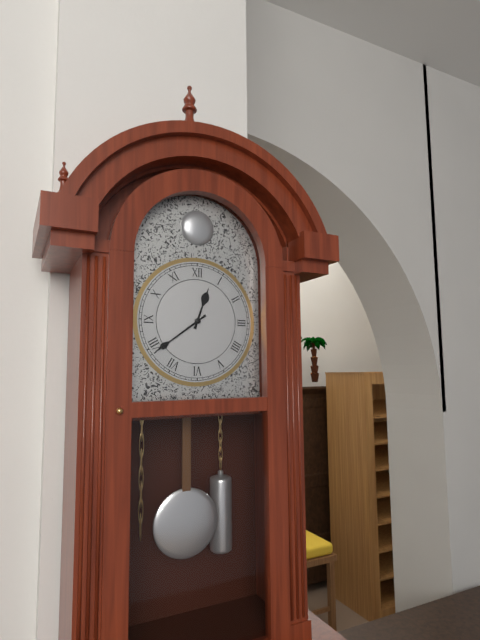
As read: 12:39
